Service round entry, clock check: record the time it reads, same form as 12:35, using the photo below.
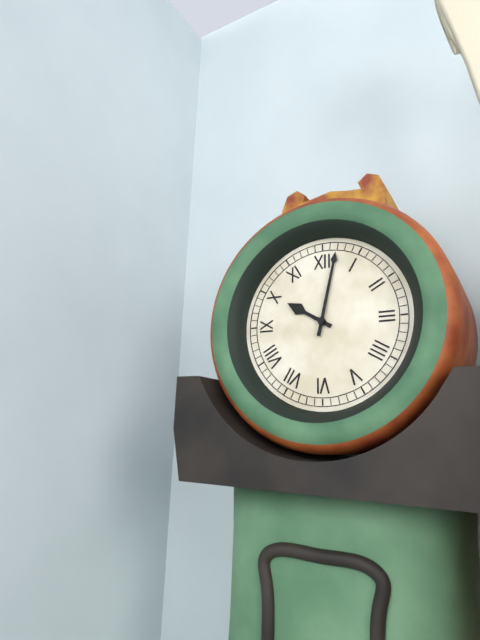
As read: 10:02
